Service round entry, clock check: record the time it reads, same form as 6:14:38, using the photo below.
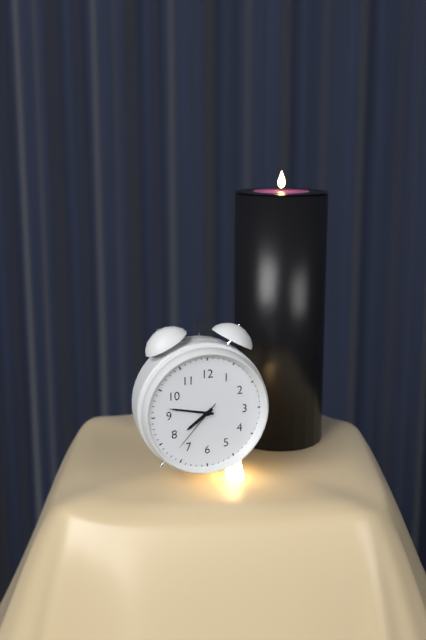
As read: 7:47:37
